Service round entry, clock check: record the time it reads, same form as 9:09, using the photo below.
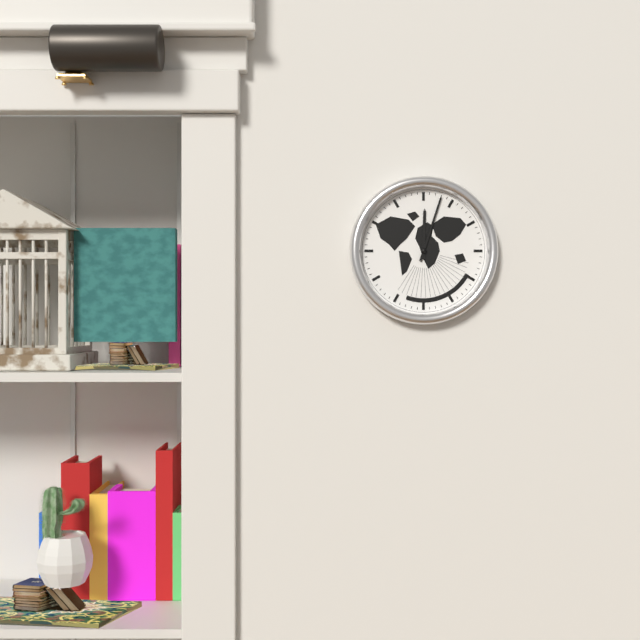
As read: 12:03
